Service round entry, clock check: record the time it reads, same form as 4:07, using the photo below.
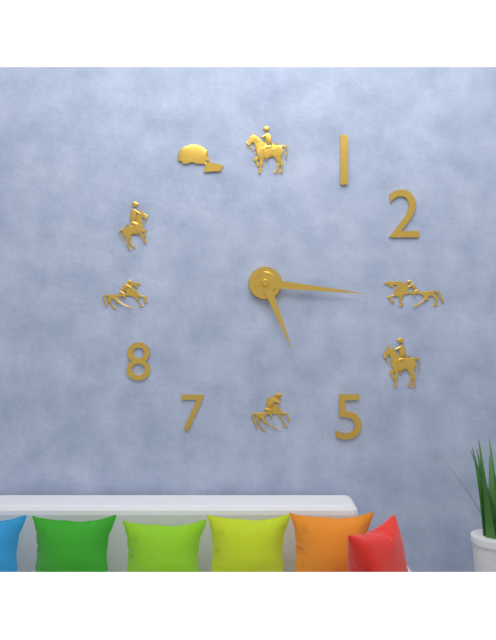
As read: 5:16
